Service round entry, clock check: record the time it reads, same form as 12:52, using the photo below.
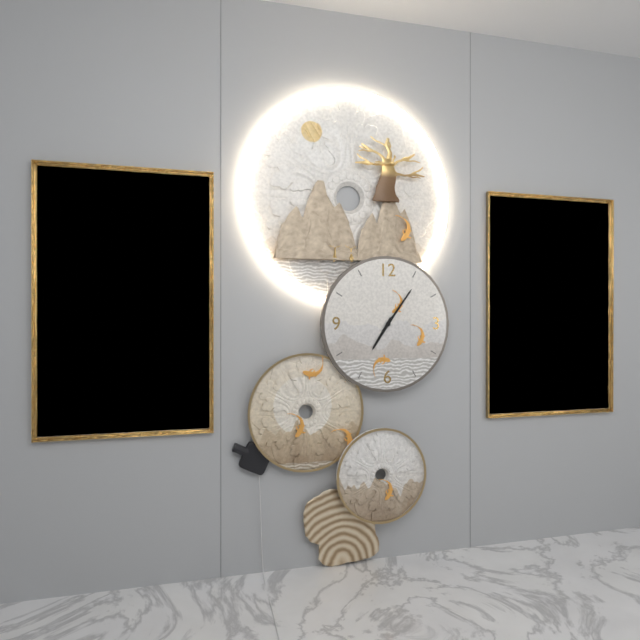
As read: 7:06
